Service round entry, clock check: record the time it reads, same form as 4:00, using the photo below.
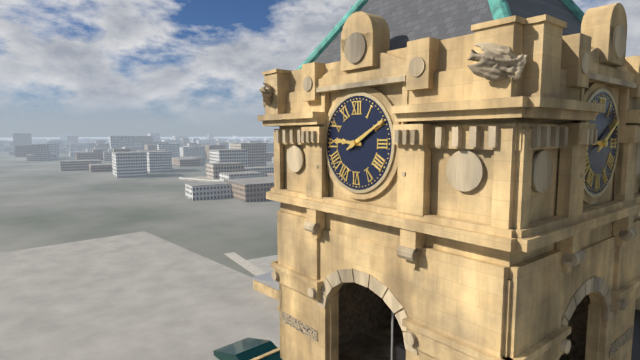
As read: 9:10
